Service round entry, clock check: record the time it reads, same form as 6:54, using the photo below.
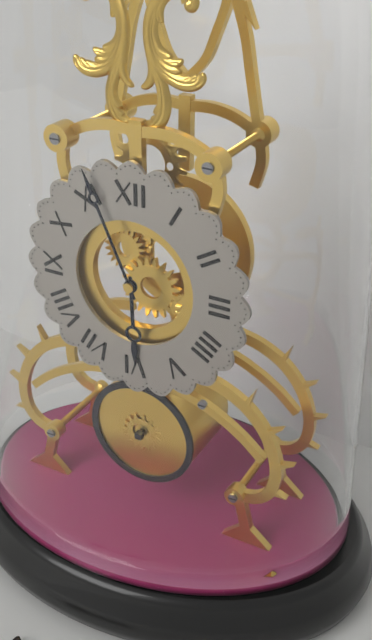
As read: 5:56
